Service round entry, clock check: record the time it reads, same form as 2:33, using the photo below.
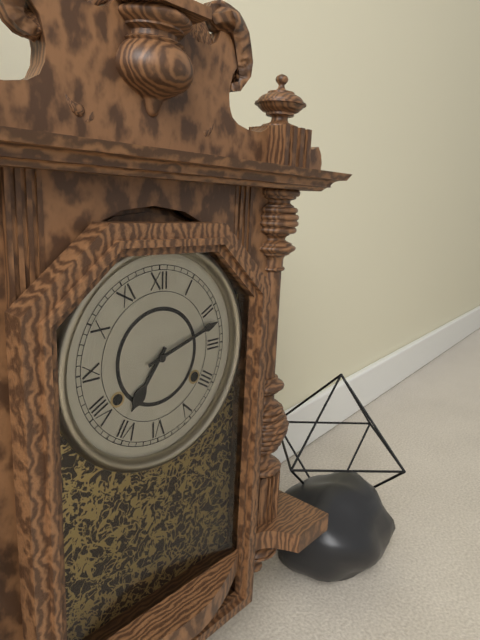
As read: 7:12
